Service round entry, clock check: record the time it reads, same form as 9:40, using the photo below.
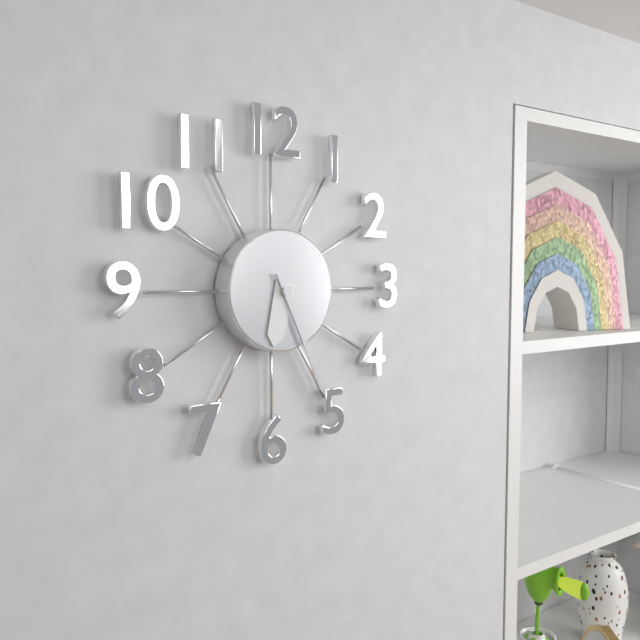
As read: 6:26
